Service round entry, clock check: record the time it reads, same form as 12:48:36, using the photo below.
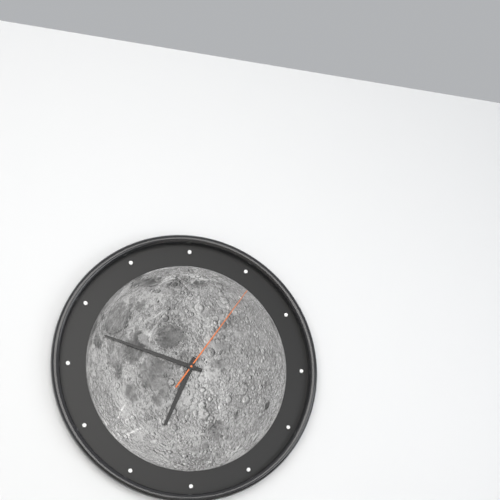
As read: 6:48:06
